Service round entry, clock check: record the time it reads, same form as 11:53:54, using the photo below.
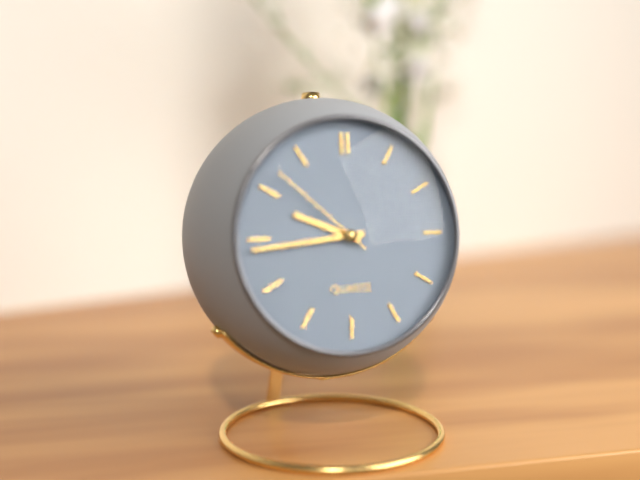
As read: 9:44:52
